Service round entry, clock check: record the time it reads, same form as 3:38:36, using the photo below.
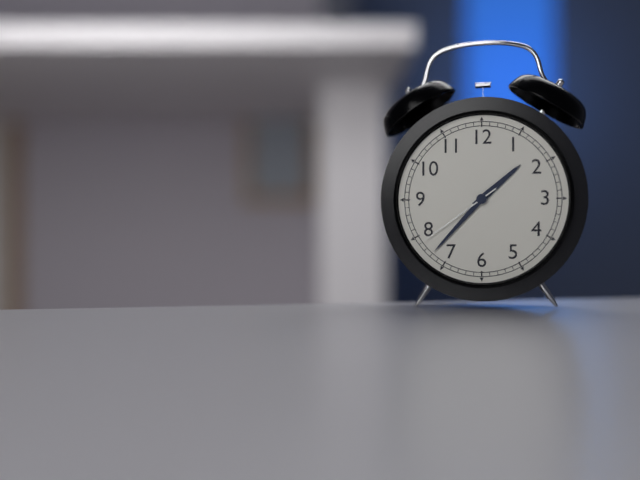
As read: 1:37:39
